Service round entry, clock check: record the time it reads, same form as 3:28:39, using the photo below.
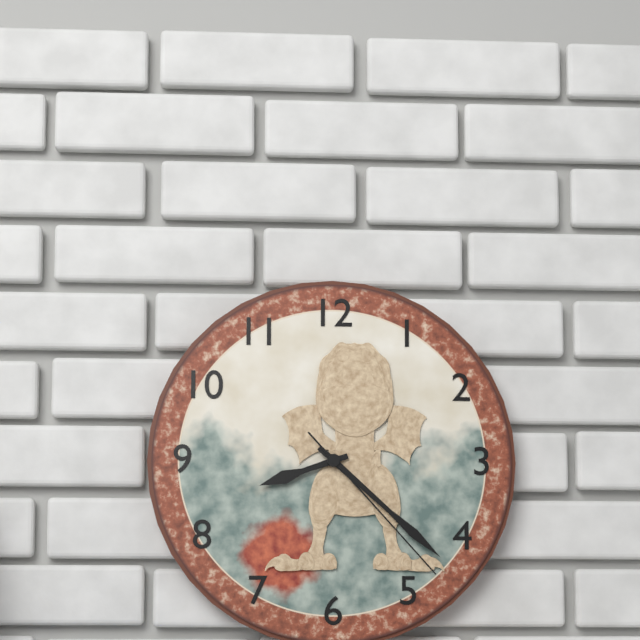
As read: 8:22:23
